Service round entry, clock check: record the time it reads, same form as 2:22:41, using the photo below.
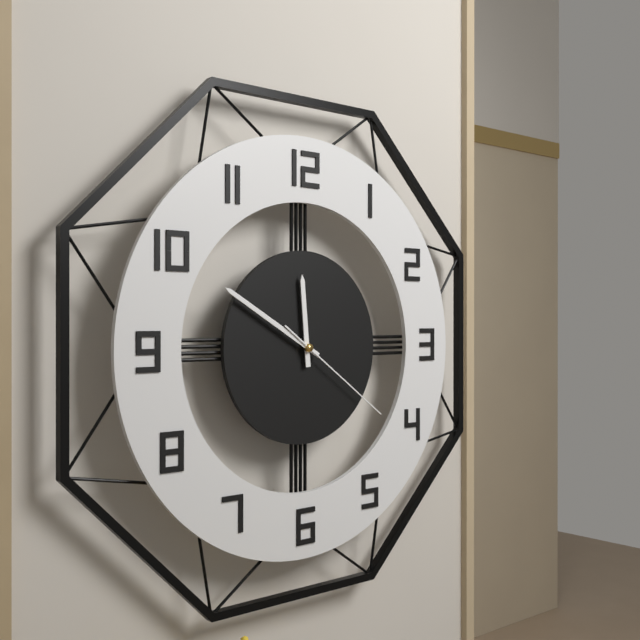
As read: 11:50:21
